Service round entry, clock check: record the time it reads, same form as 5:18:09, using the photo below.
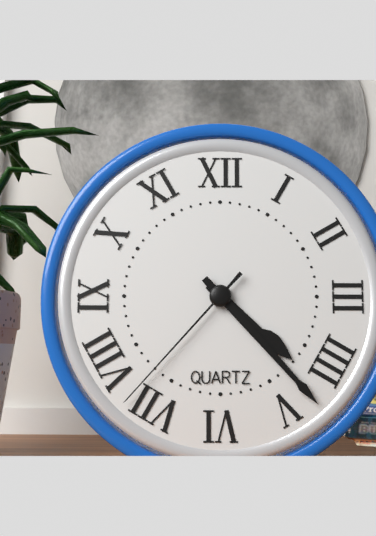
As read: 4:23:37
